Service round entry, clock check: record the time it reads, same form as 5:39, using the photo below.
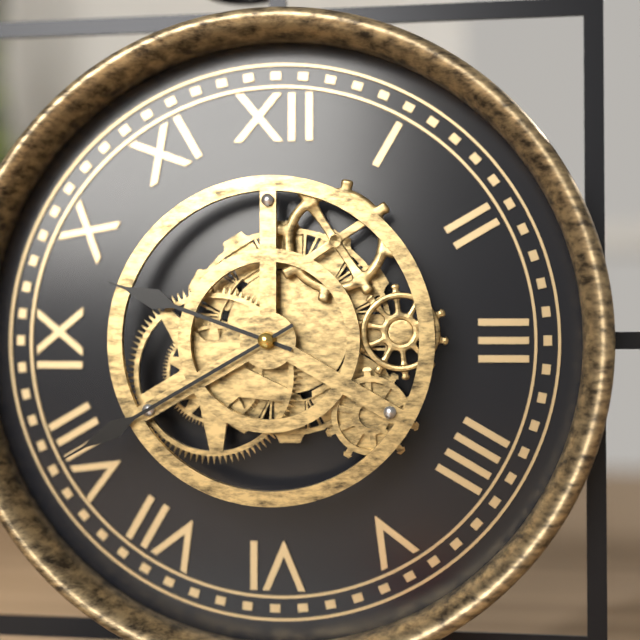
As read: 9:40
